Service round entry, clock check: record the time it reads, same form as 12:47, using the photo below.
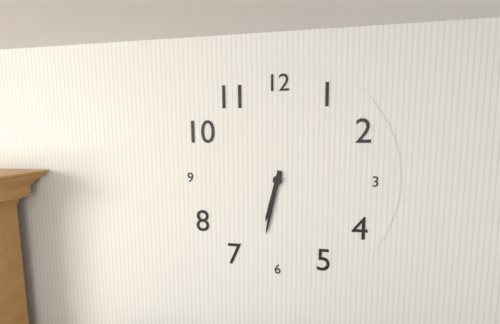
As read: 6:32
